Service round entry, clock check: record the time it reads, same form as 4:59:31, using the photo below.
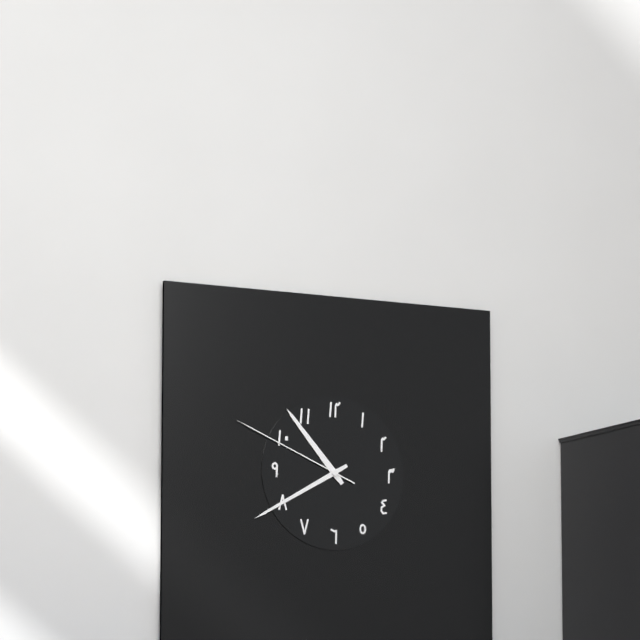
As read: 10:40:49
